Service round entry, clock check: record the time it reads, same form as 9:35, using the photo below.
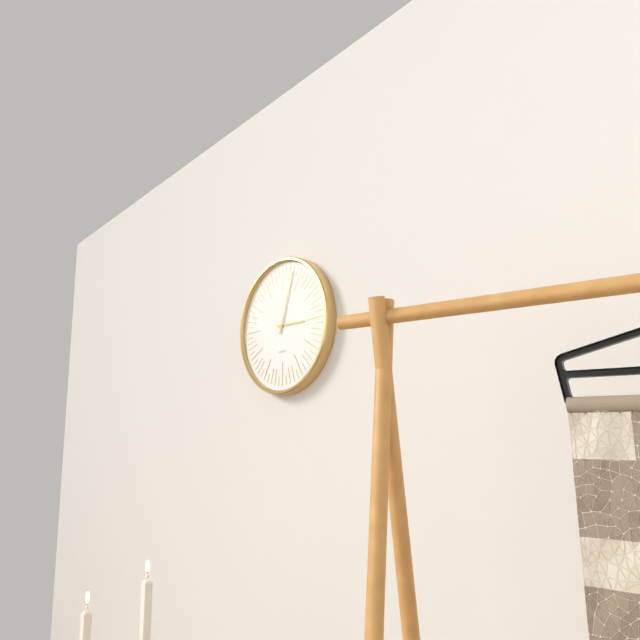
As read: 3:03
